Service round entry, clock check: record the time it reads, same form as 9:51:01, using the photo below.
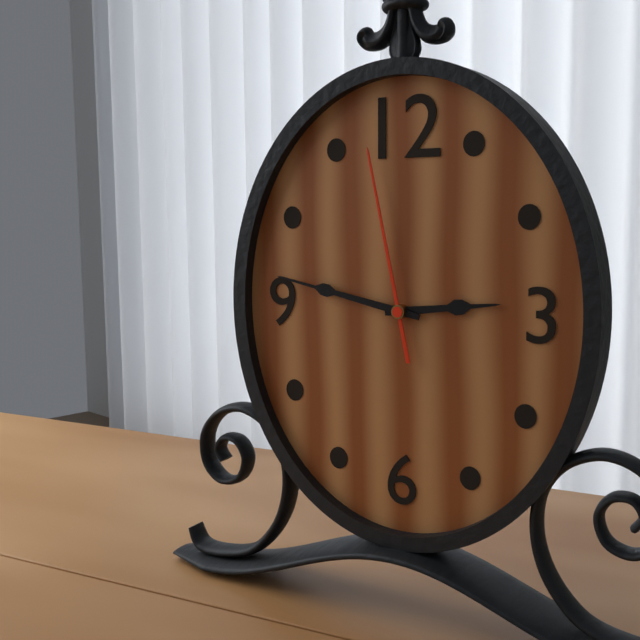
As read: 2:47:58
